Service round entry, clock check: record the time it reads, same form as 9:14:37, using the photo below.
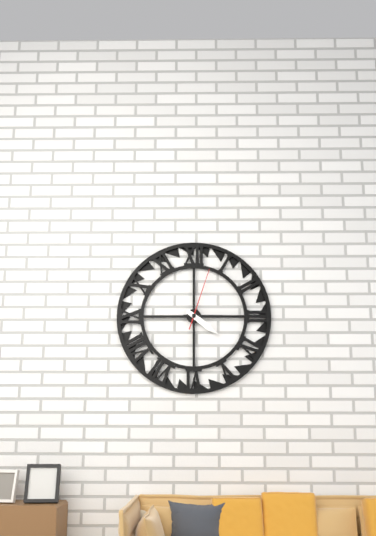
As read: 4:15:03
